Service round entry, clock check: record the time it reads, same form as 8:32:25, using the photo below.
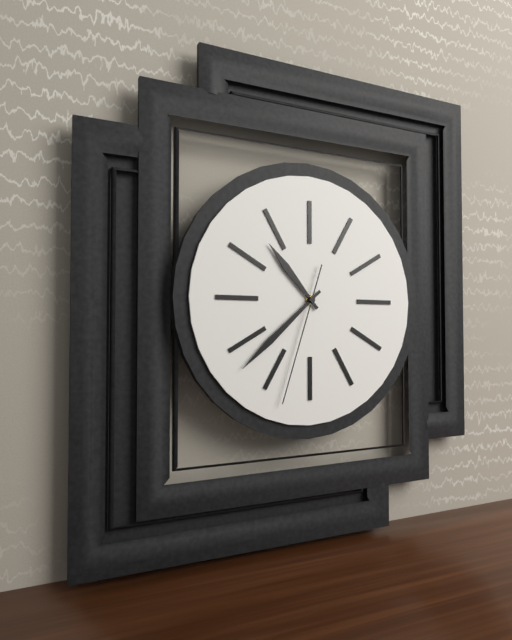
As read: 10:38:33
